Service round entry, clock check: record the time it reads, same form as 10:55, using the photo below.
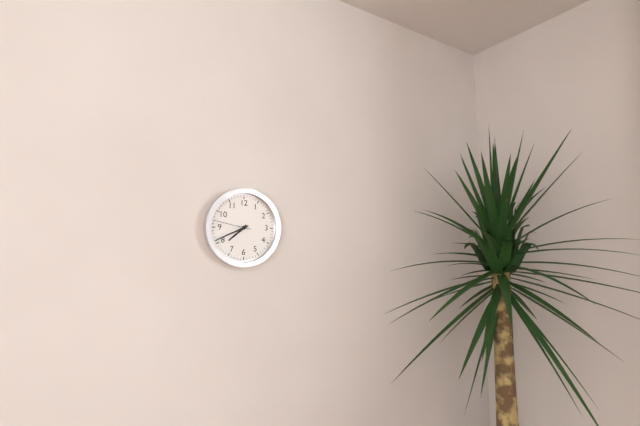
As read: 7:41
